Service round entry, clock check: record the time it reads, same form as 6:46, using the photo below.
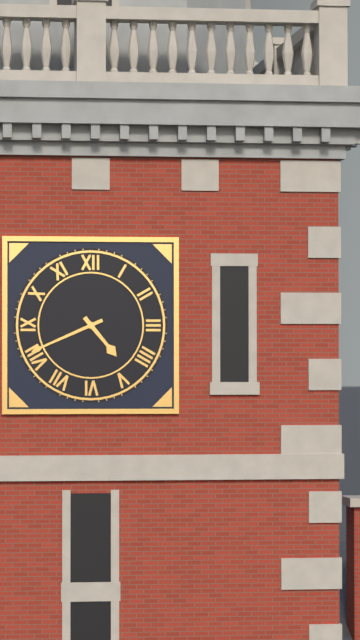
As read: 4:41
